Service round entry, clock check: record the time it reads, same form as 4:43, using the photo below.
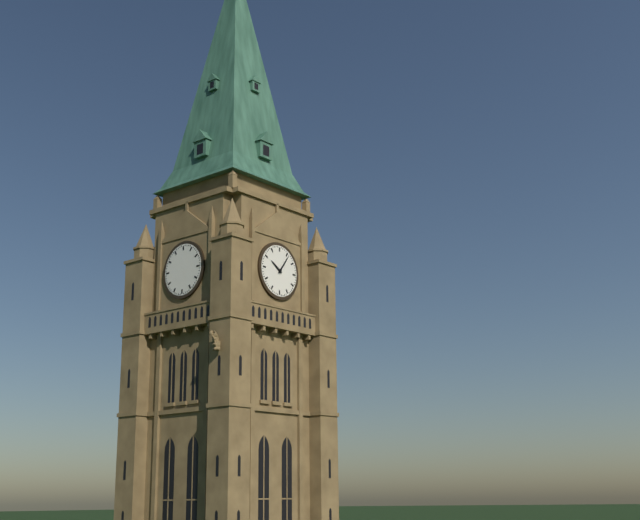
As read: 10:06
